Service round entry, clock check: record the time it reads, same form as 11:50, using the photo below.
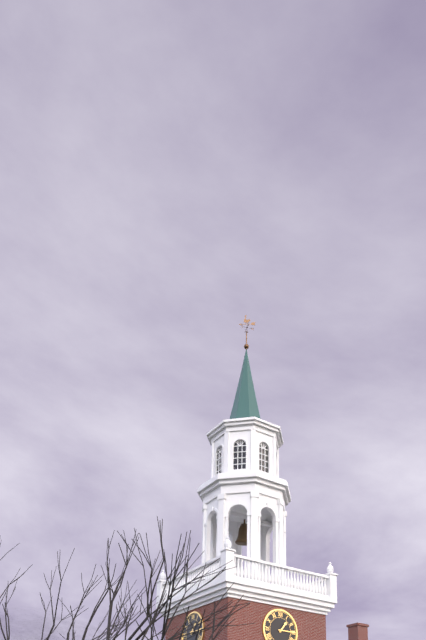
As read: 1:15
